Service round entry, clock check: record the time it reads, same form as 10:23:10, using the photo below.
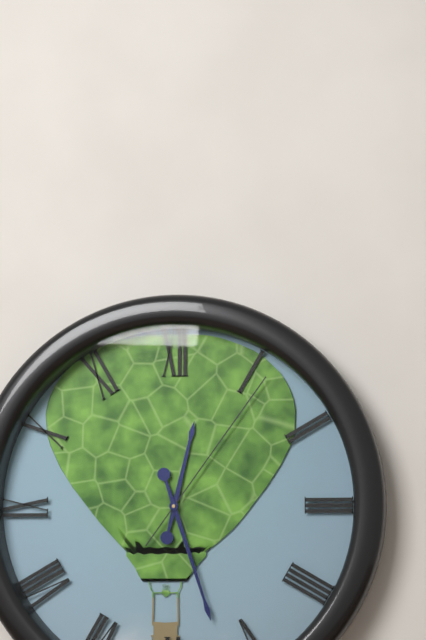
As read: 12:27:06
